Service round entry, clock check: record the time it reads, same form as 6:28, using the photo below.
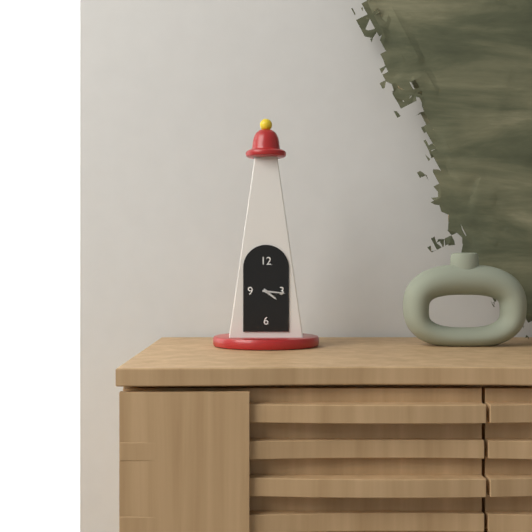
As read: 4:16
